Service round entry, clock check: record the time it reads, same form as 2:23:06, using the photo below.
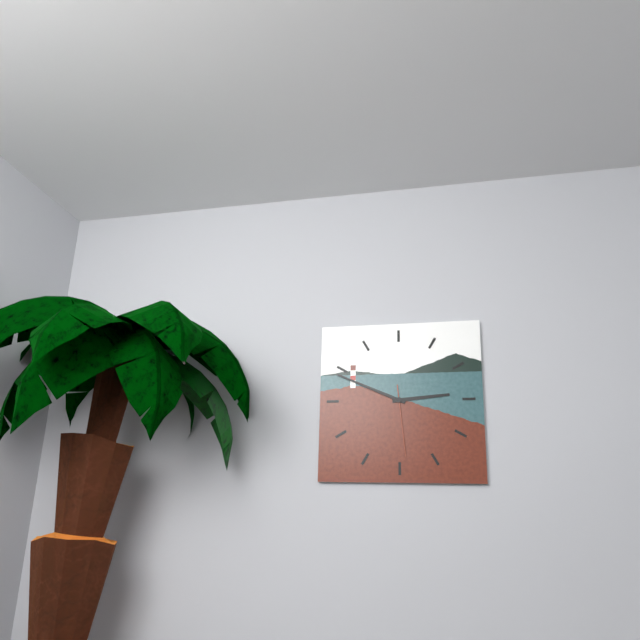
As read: 2:49:29
